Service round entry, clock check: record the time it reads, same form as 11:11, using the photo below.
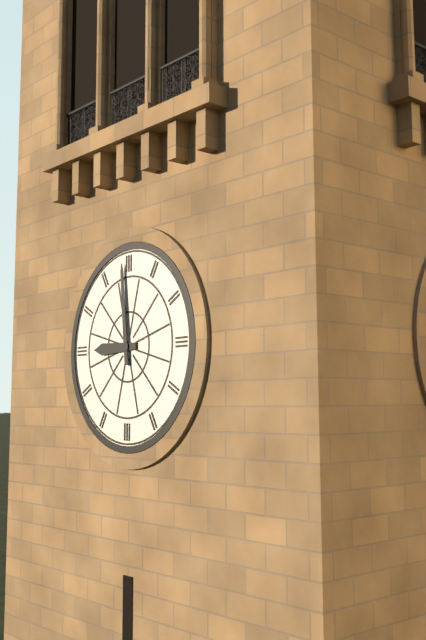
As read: 8:59
